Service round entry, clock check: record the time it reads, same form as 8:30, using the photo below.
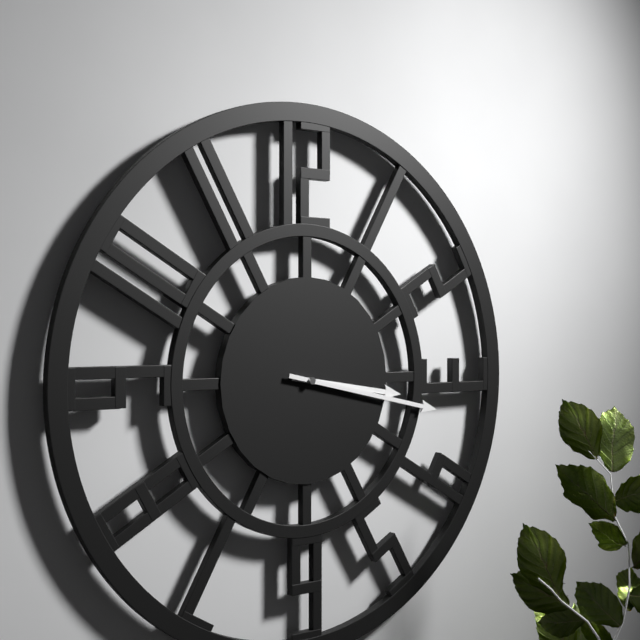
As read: 3:17
